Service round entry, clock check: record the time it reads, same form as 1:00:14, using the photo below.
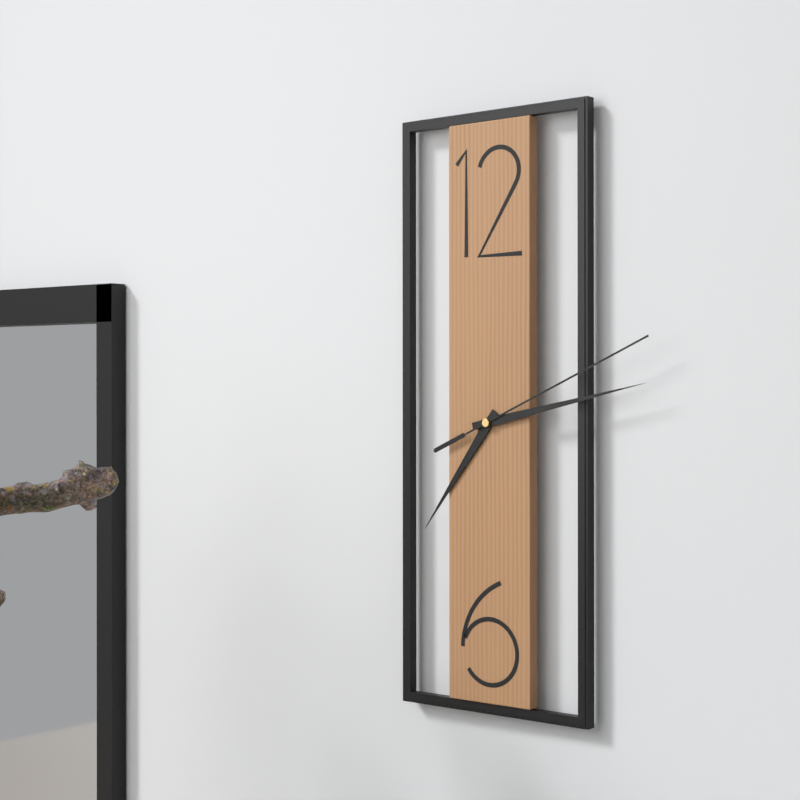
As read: 7:13:11
